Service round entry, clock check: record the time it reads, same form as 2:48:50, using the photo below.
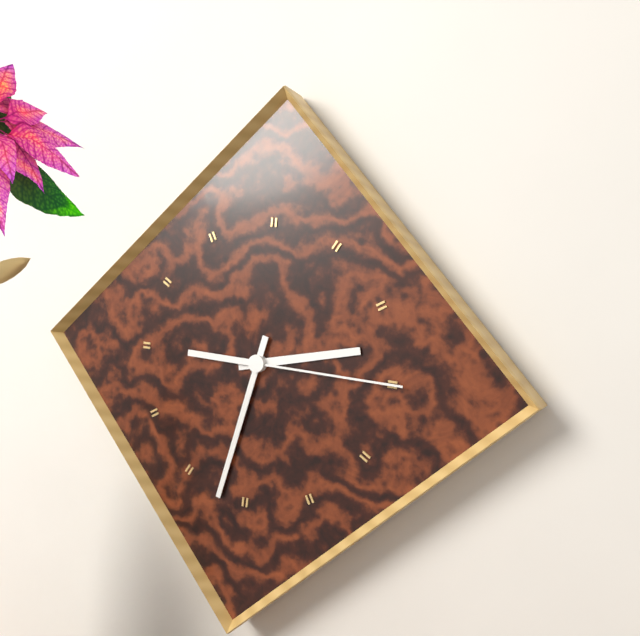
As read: 2:32:15
